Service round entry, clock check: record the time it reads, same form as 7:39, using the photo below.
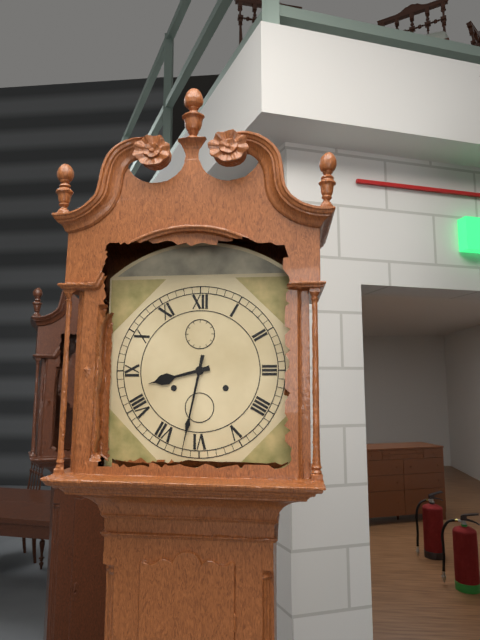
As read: 8:32
